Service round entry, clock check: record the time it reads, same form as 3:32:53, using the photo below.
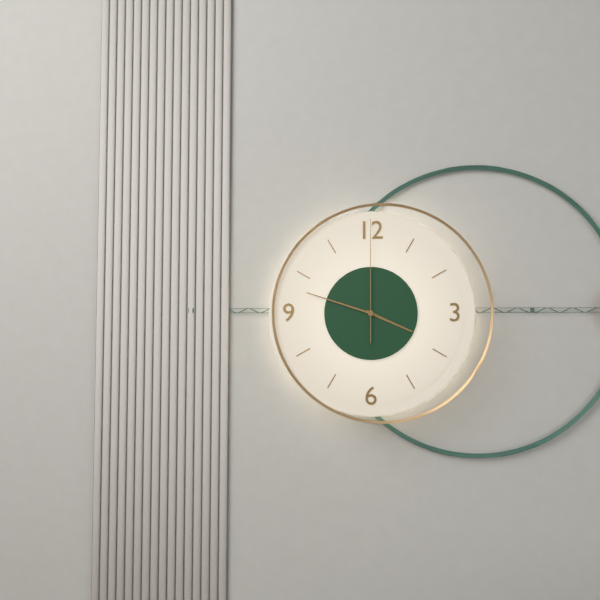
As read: 3:48:00
